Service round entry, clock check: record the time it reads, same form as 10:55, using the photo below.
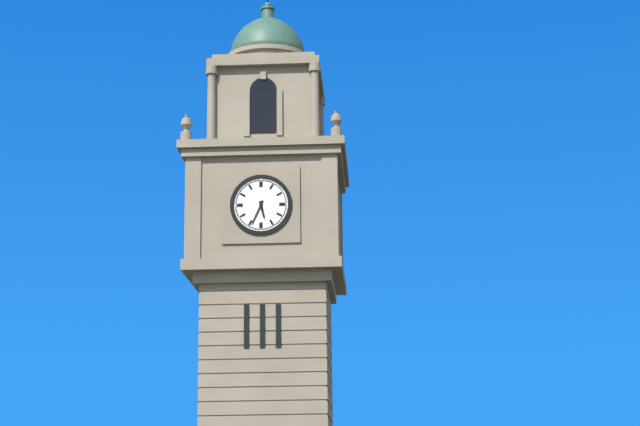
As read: 5:34
